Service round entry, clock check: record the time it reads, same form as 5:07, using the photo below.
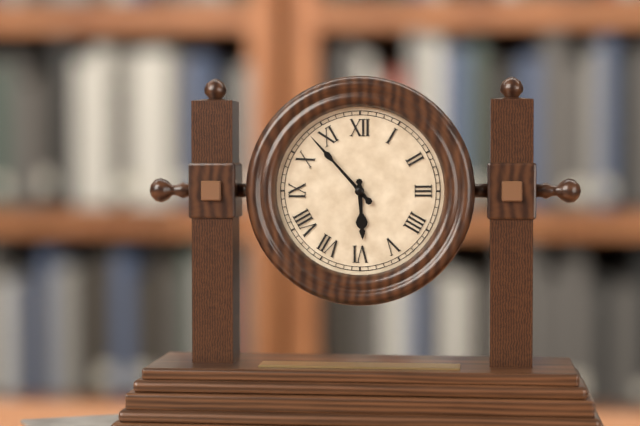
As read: 5:53
